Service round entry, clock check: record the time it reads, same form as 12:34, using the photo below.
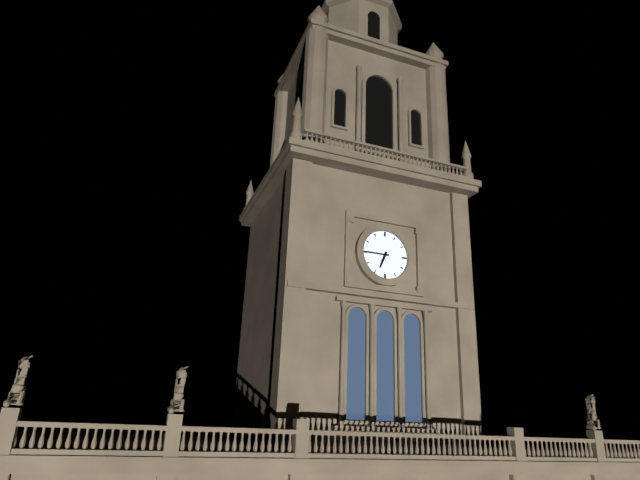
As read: 6:45
